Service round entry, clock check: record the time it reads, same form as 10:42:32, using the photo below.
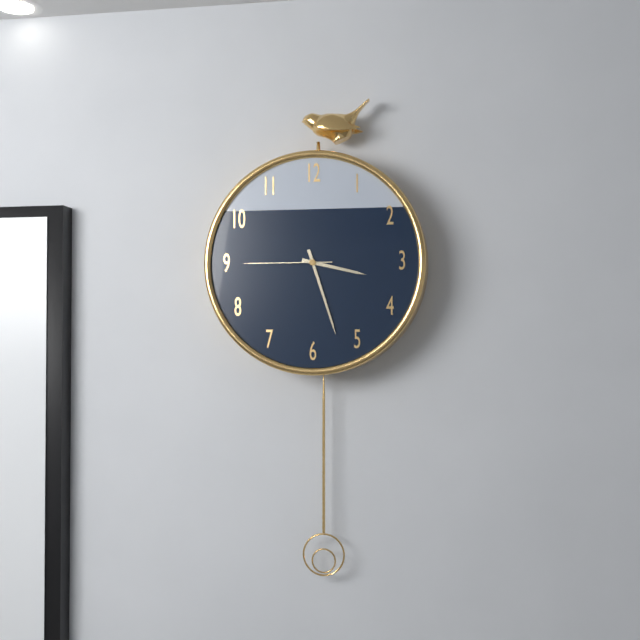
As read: 3:27:45
